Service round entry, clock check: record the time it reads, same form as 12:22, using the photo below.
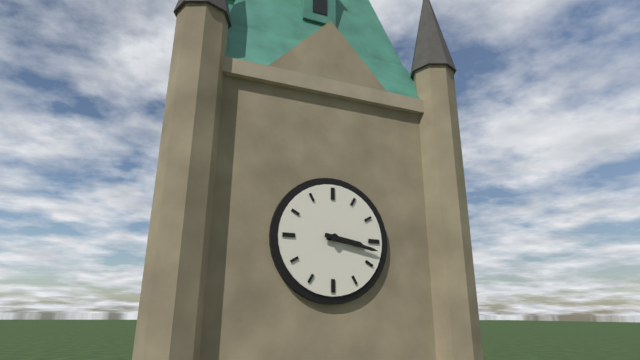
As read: 3:17
